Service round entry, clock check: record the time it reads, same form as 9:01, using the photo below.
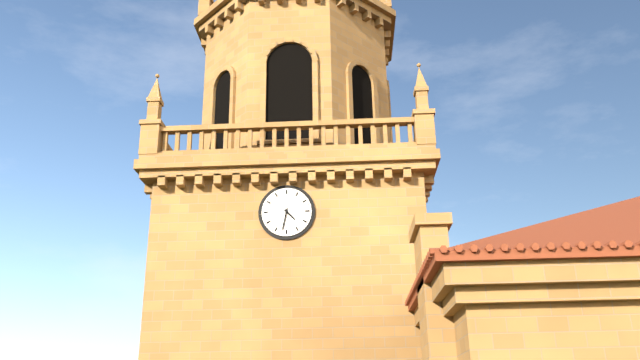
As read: 4:32
